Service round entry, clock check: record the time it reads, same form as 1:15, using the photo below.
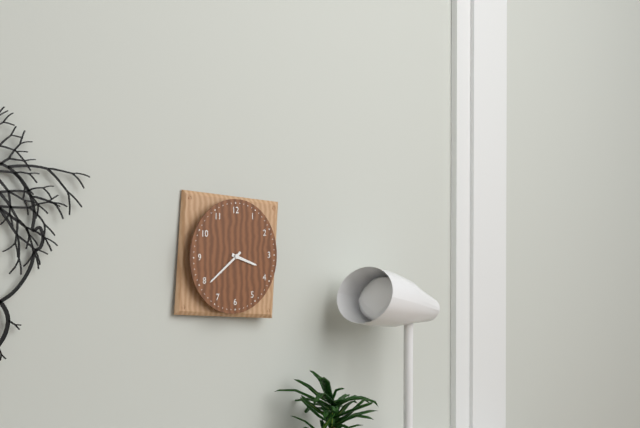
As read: 3:39
